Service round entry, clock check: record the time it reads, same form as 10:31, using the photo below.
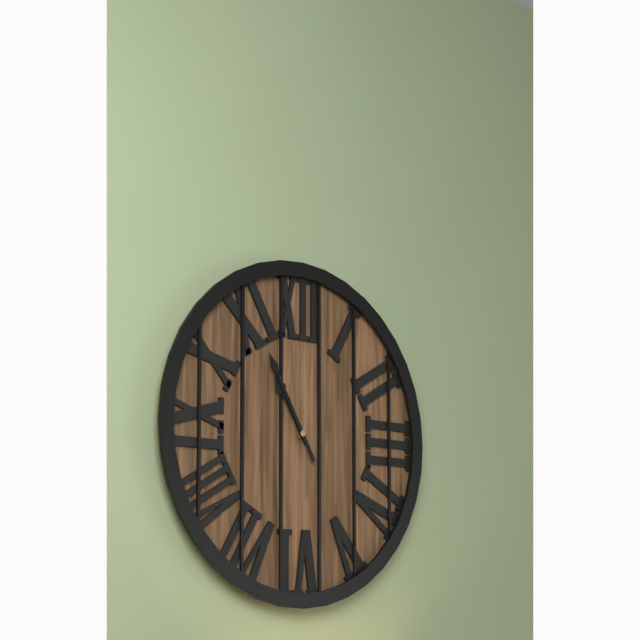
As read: 10:55
